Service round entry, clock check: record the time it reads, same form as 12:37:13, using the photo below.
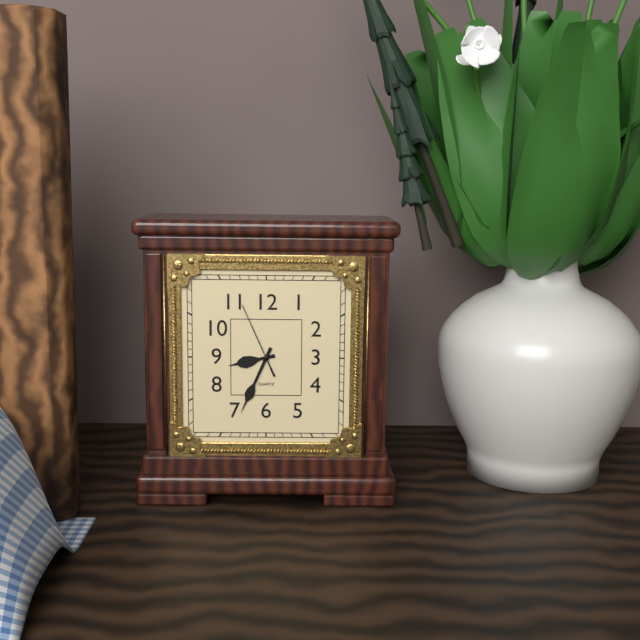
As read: 8:34:56
